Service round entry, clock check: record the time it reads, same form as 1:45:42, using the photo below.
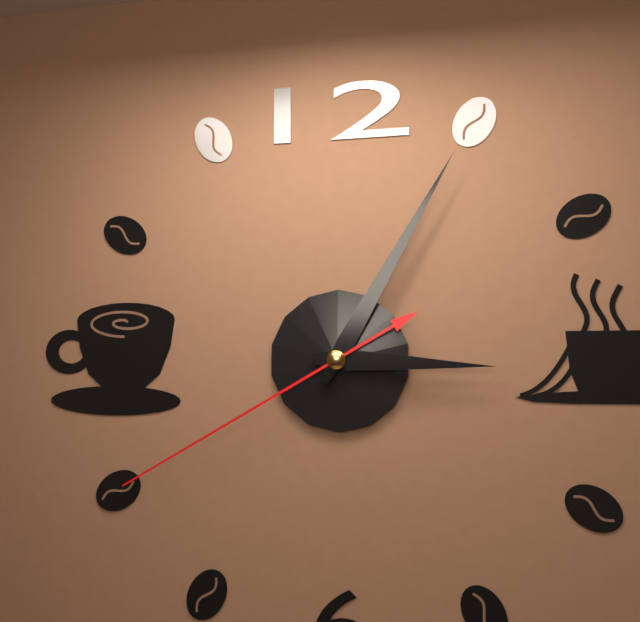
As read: 3:05:40
